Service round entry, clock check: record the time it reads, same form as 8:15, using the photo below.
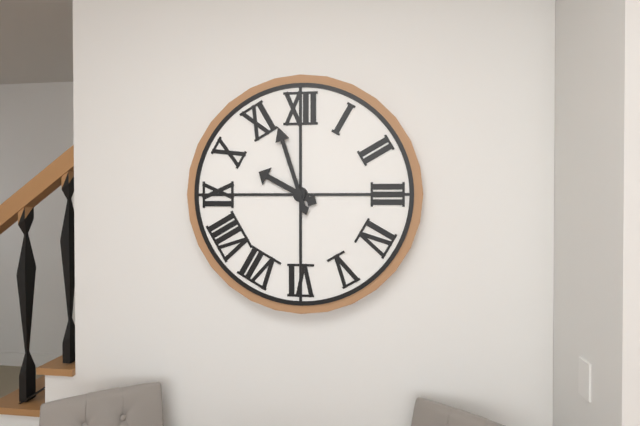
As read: 9:57
